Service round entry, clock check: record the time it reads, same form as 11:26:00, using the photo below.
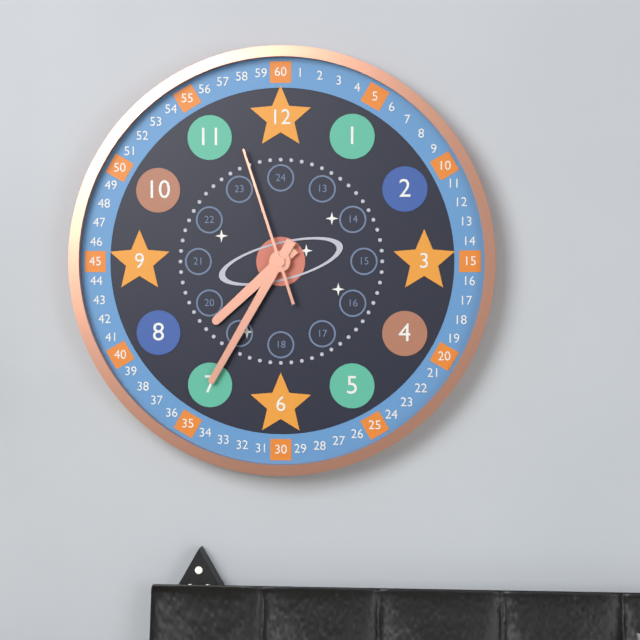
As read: 7:35:57
